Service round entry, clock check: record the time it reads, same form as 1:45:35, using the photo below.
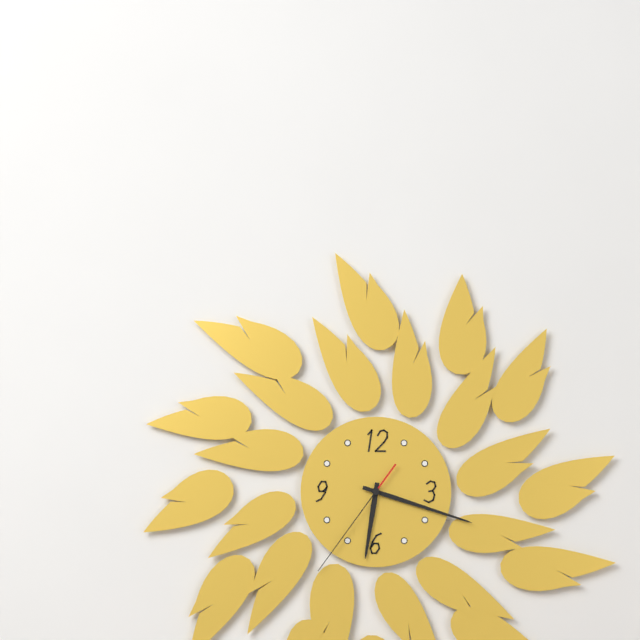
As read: 6:18:36
